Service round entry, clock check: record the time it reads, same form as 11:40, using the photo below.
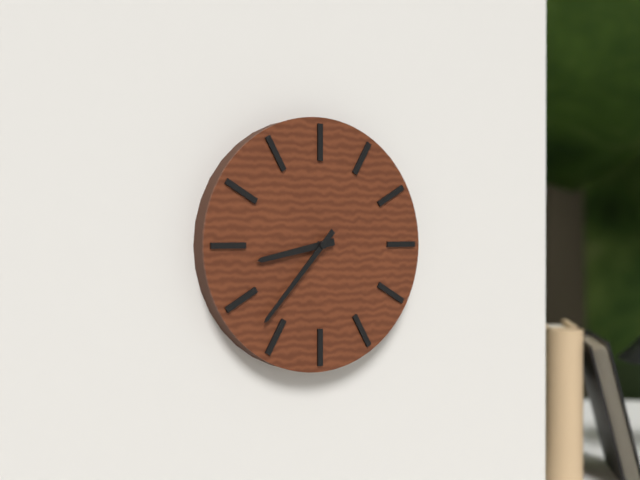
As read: 8:37
